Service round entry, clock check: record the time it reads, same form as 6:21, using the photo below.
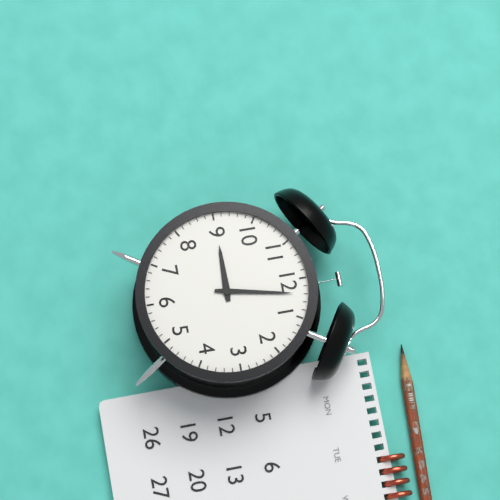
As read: 9:02
